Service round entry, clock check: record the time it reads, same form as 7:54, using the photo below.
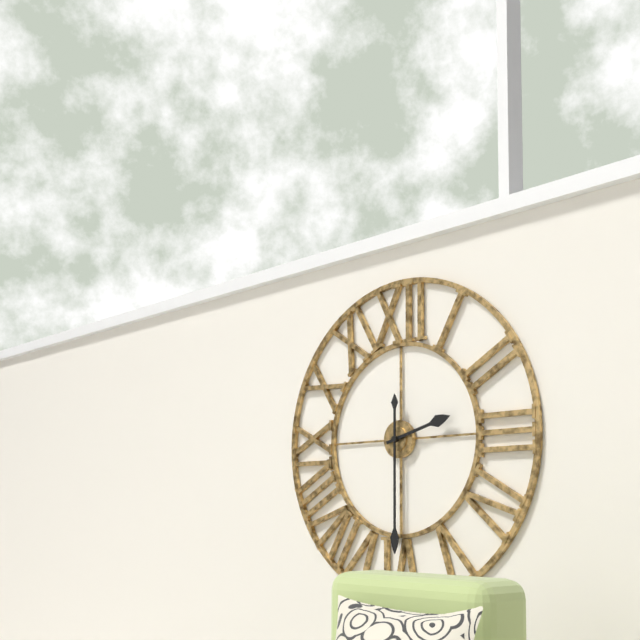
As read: 2:30
